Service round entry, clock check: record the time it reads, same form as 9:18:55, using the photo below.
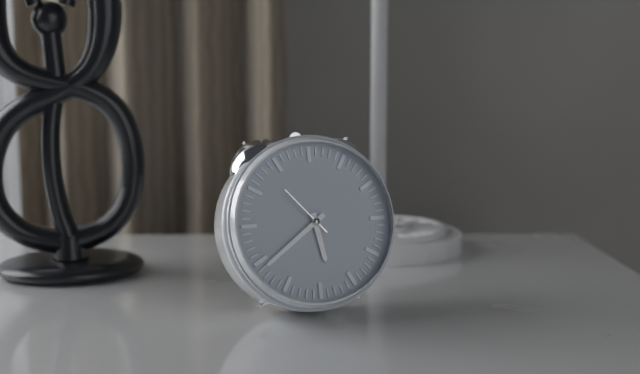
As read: 5:39:53
